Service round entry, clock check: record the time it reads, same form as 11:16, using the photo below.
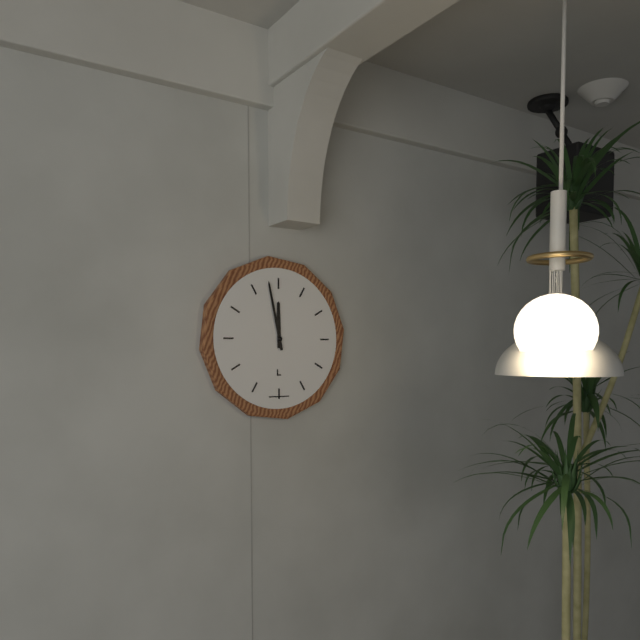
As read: 11:58
